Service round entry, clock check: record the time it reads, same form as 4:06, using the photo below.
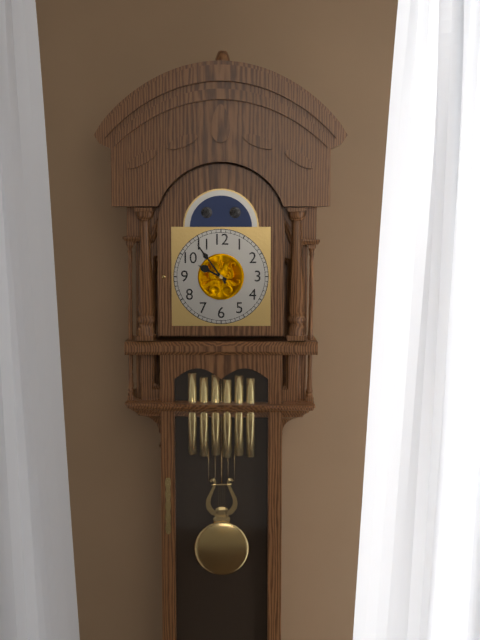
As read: 9:54
